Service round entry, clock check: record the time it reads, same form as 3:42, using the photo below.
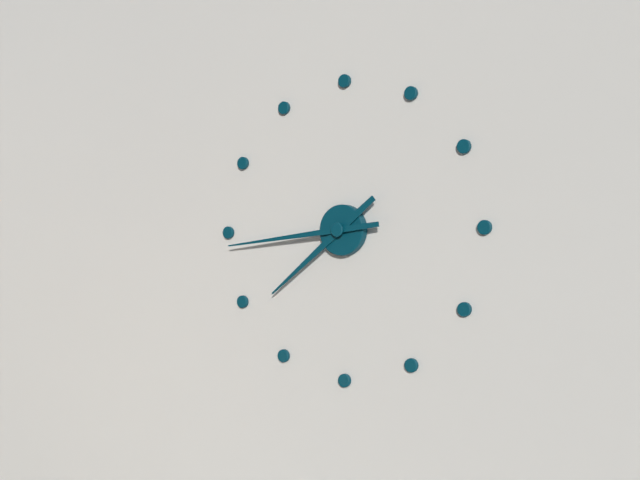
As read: 7:44
